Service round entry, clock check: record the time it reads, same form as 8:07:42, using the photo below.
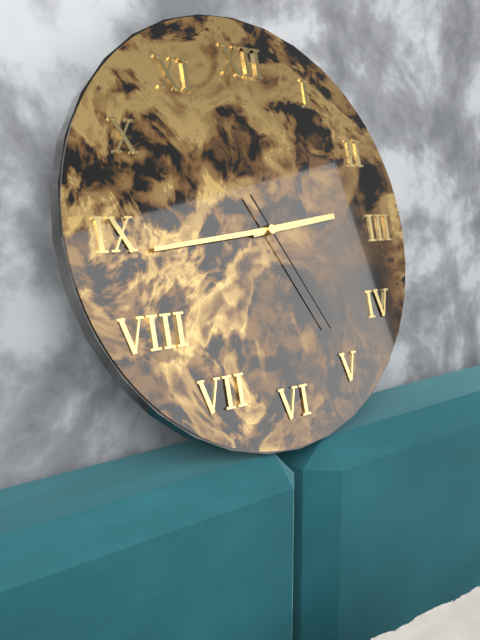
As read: 2:44:25
